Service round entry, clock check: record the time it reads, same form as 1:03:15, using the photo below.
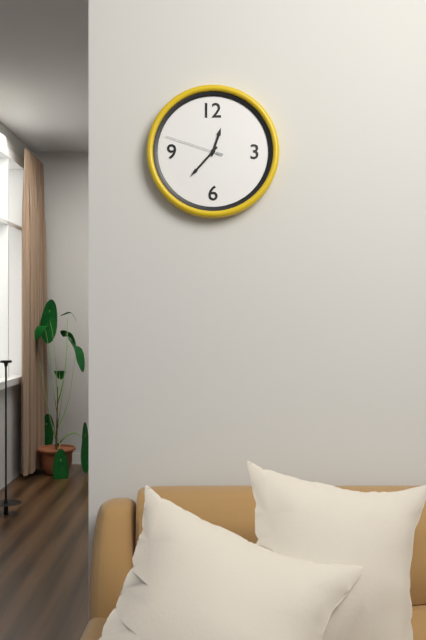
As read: 12:37:48
